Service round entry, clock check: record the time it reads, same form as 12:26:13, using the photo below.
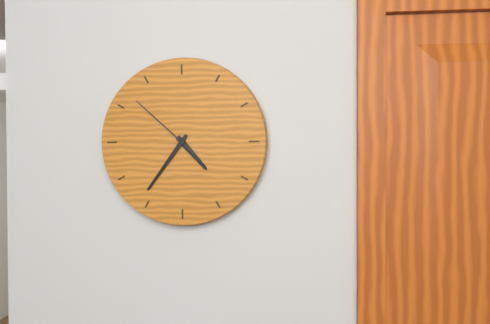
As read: 4:36:52
